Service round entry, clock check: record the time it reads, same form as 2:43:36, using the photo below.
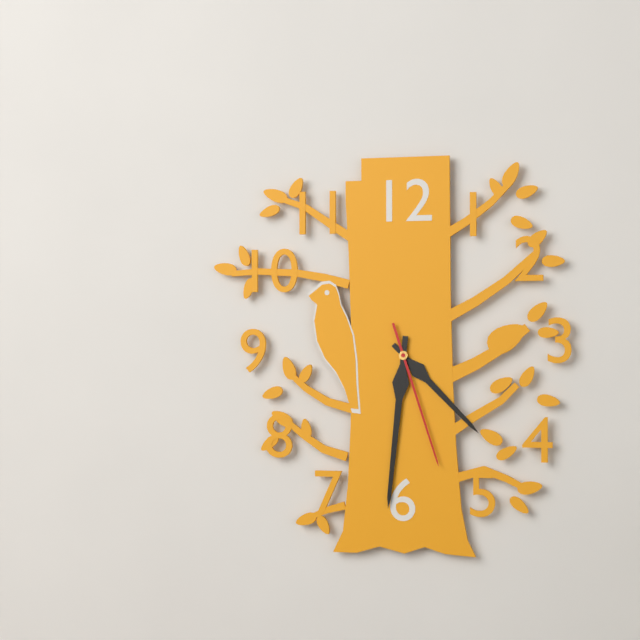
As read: 4:31:27
